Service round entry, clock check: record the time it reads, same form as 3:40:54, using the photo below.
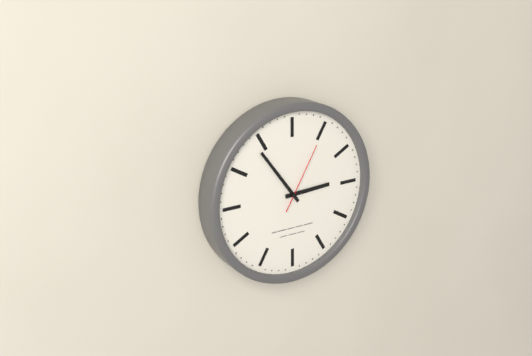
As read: 2:54:05
